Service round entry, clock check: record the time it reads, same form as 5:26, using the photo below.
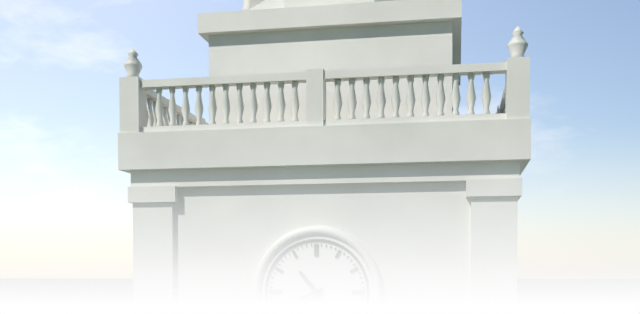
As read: 10:41
